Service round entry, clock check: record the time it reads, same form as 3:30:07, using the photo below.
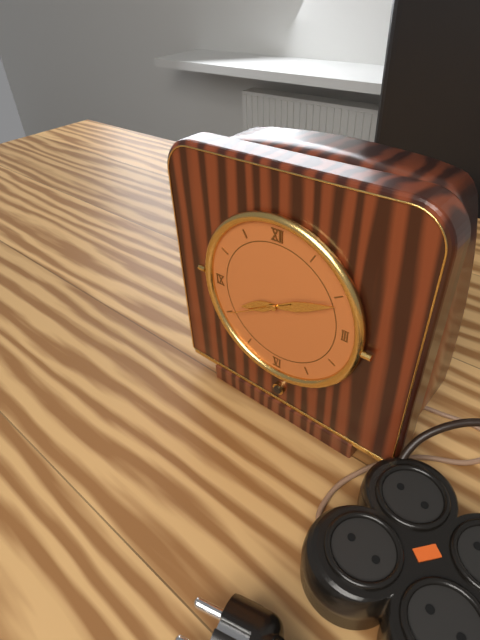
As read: 8:11:40
